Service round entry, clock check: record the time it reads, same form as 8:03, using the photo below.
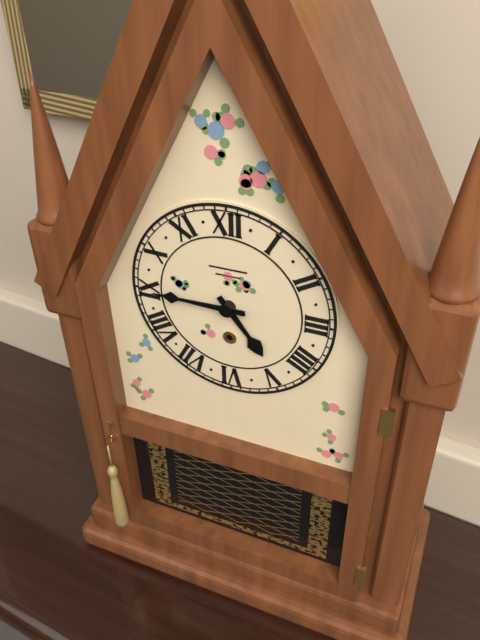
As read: 4:45
